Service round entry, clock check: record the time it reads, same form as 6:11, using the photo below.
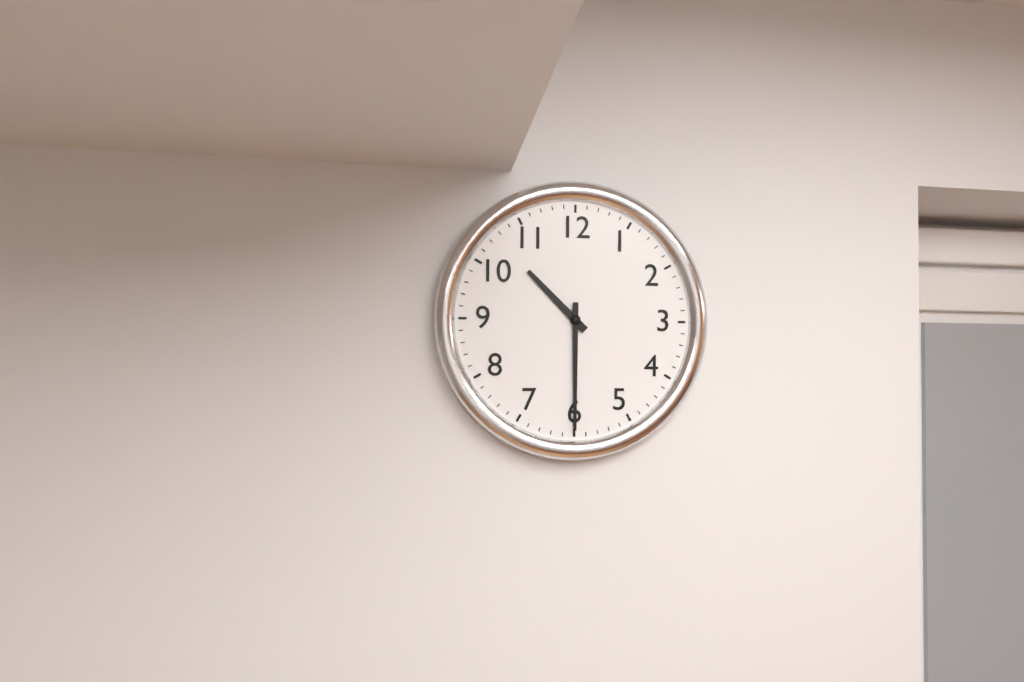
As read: 10:30
